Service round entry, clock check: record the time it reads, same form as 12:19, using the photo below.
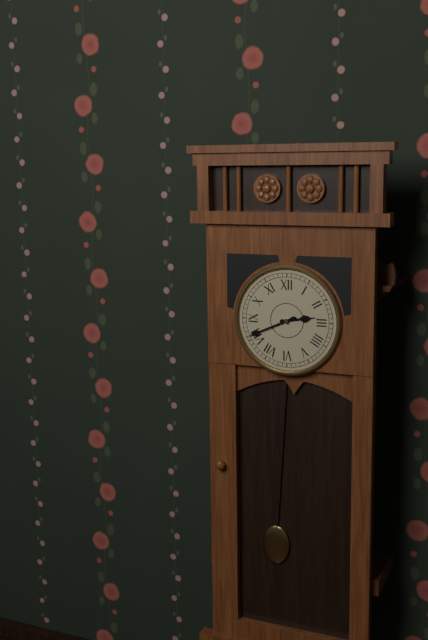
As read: 2:41
